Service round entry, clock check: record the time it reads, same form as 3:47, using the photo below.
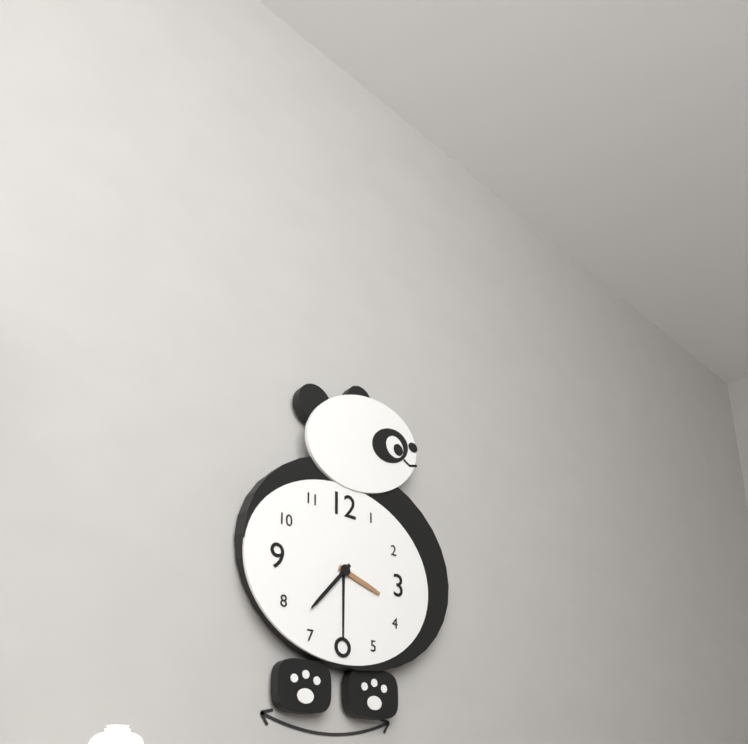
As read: 3:37
